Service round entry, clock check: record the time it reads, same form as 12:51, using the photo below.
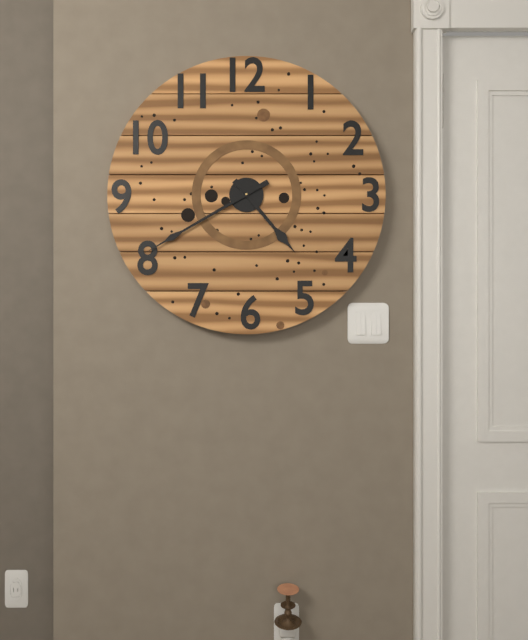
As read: 4:40
